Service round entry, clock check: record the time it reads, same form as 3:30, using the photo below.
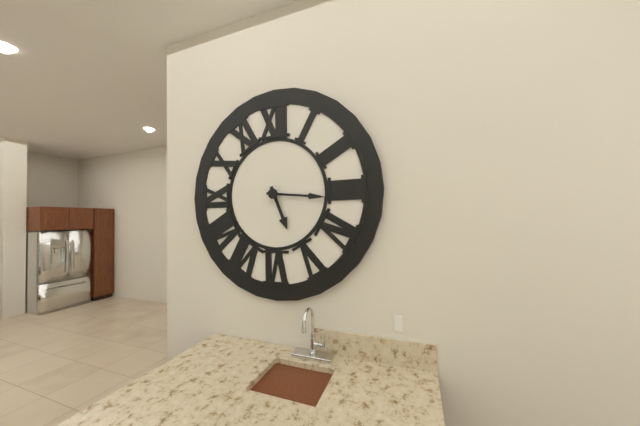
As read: 5:16
